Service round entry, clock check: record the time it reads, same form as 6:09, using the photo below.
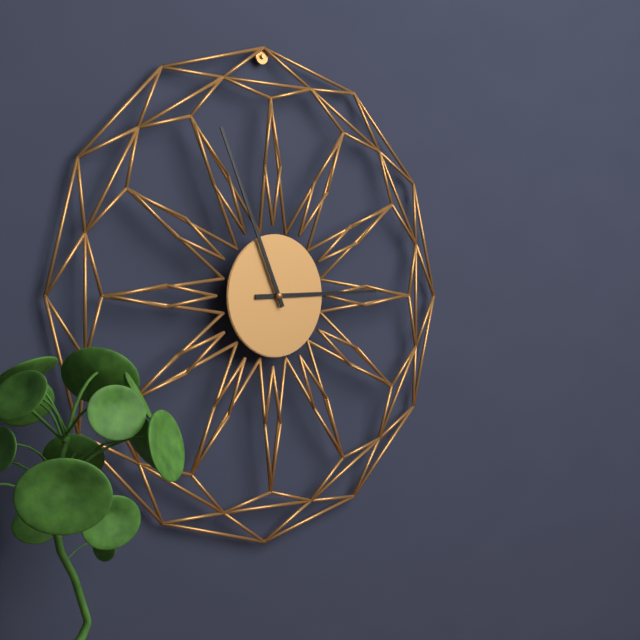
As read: 2:56
